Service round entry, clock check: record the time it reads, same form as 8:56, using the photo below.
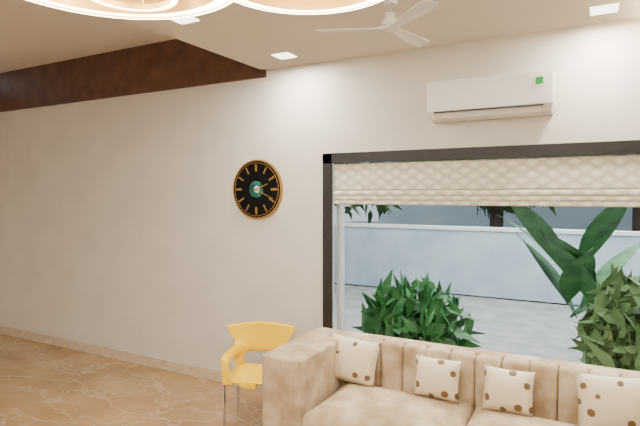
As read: 2:19
